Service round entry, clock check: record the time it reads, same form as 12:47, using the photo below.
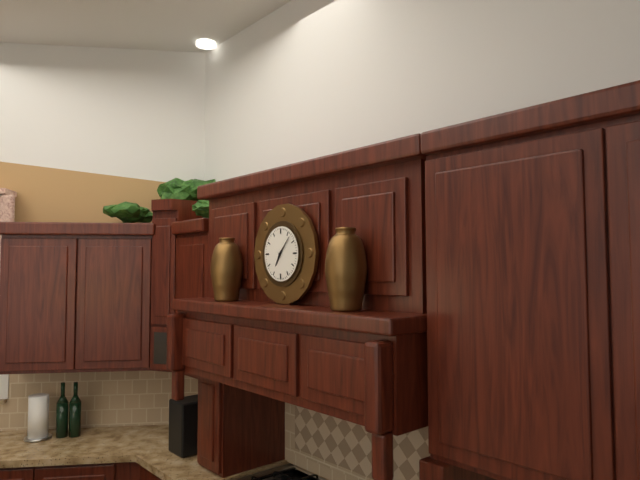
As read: 7:07
